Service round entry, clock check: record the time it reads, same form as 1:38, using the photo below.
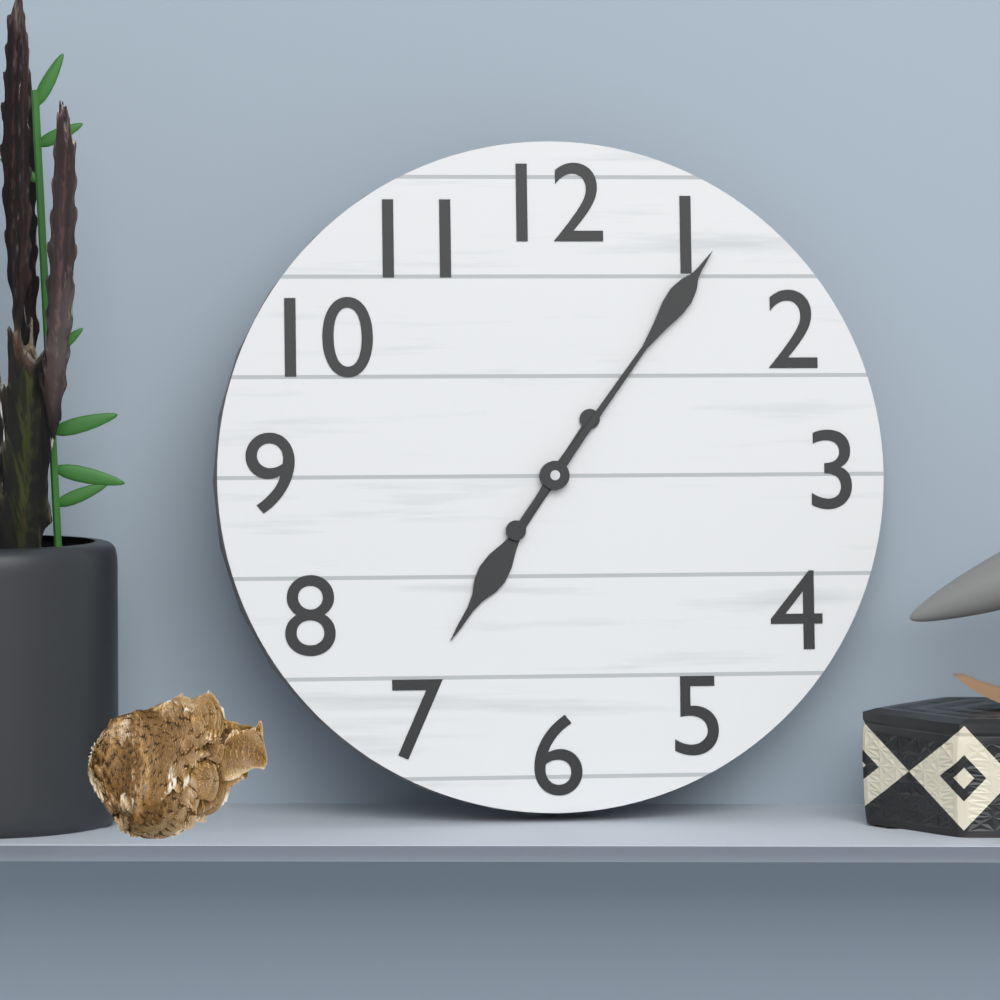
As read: 7:06
